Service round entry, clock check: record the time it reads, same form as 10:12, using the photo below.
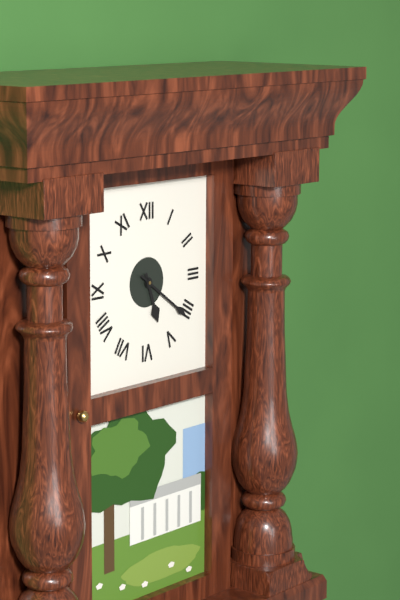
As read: 5:21
